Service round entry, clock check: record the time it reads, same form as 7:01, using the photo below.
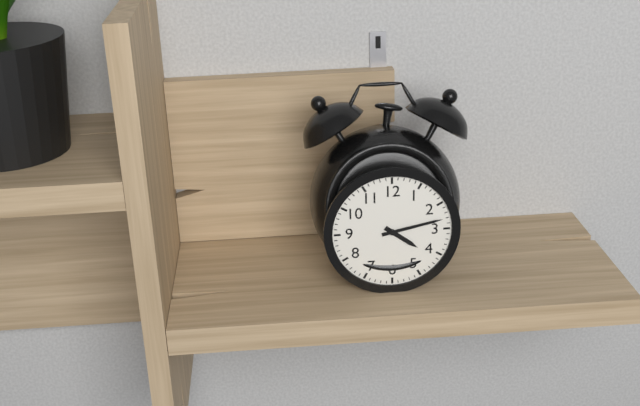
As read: 4:13
